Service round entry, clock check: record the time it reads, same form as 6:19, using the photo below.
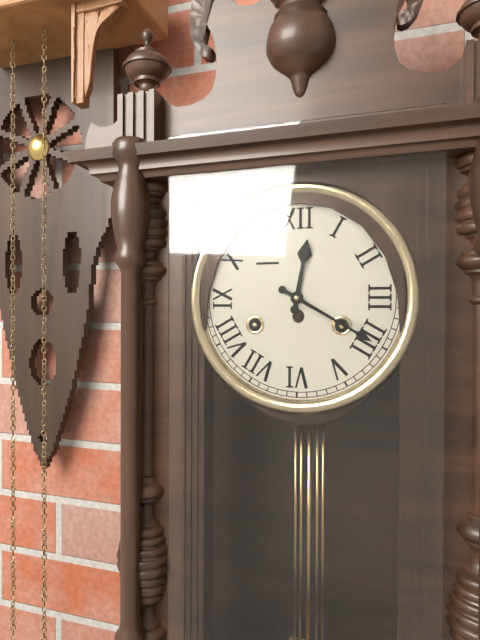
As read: 12:20
